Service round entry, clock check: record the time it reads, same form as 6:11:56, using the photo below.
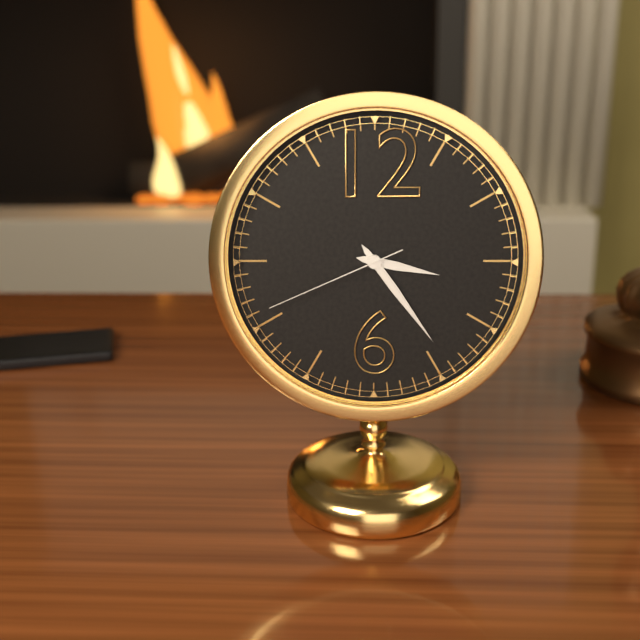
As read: 3:24:41
